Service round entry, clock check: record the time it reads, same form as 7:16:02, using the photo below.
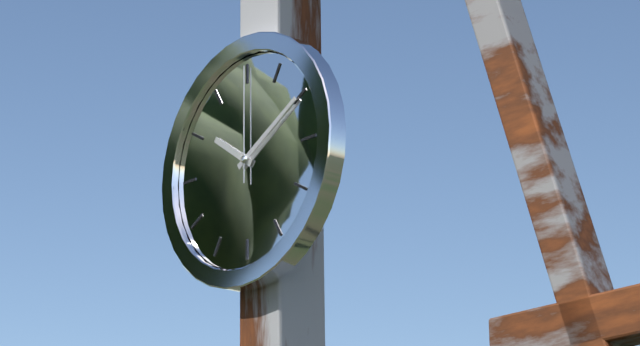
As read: 10:10:00
